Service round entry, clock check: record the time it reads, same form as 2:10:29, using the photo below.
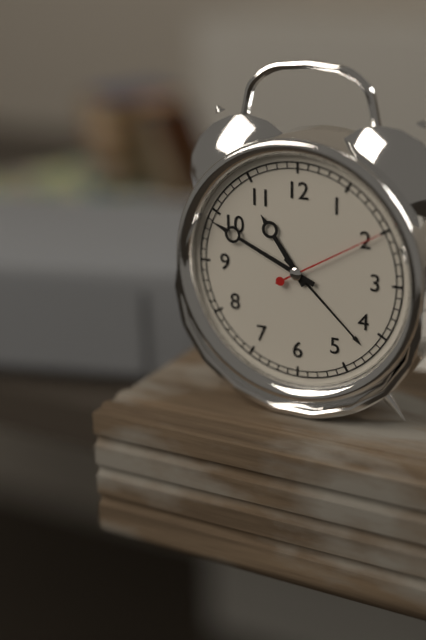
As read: 10:49:10
